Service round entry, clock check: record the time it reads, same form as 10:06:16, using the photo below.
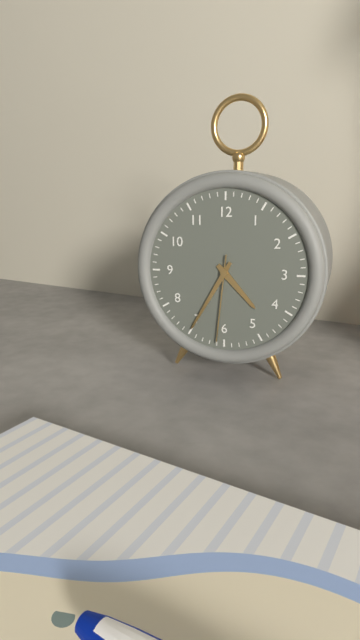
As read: 4:35:31
